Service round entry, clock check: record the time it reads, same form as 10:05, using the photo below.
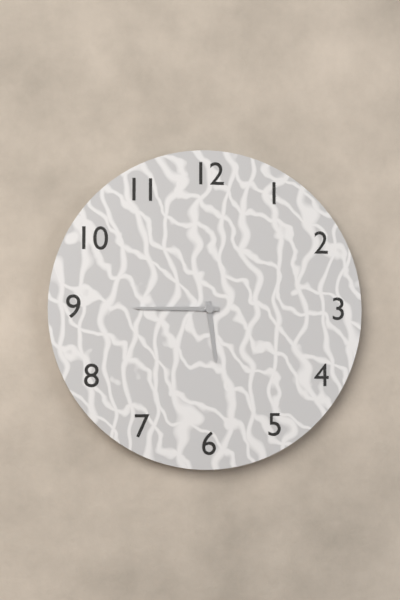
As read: 5:45
